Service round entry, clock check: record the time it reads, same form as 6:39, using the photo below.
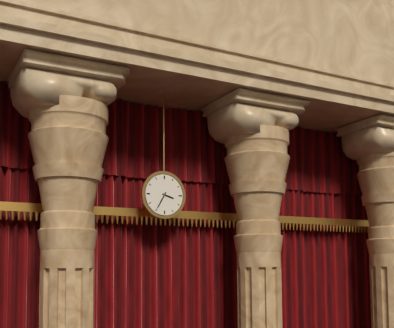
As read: 3:35
